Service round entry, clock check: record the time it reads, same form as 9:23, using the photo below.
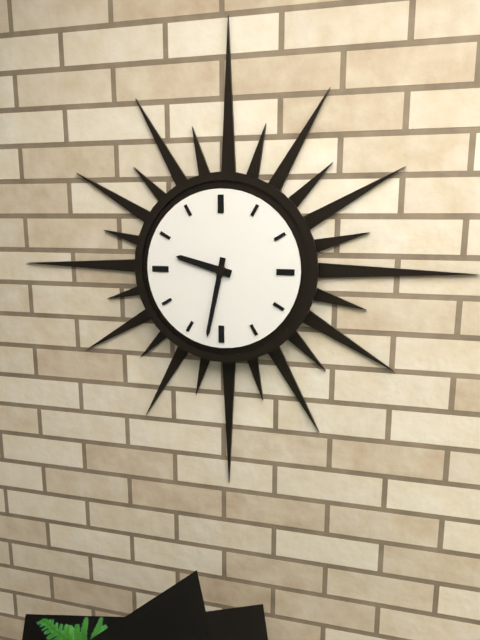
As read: 9:32
